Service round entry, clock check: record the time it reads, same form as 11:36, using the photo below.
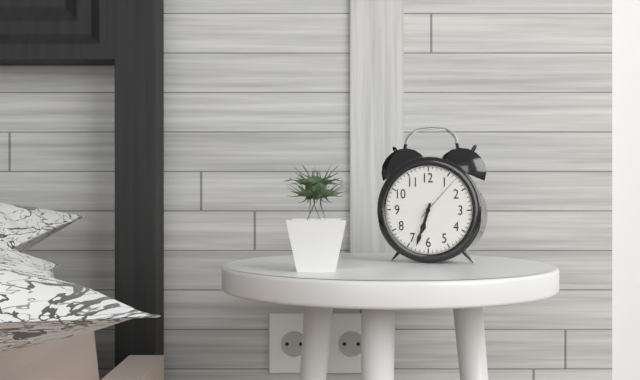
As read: 6:33
